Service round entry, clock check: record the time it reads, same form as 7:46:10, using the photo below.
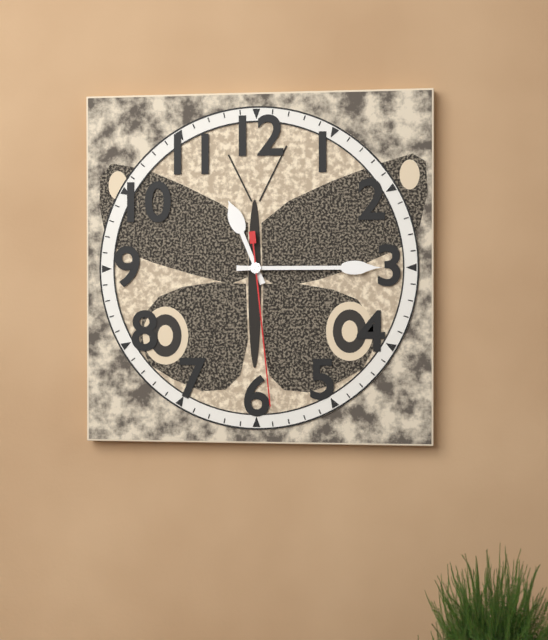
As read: 11:15:29
